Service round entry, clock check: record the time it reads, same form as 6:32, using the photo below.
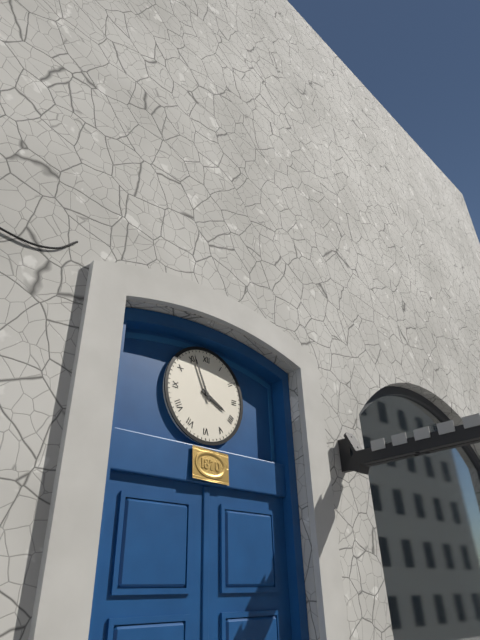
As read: 3:56
